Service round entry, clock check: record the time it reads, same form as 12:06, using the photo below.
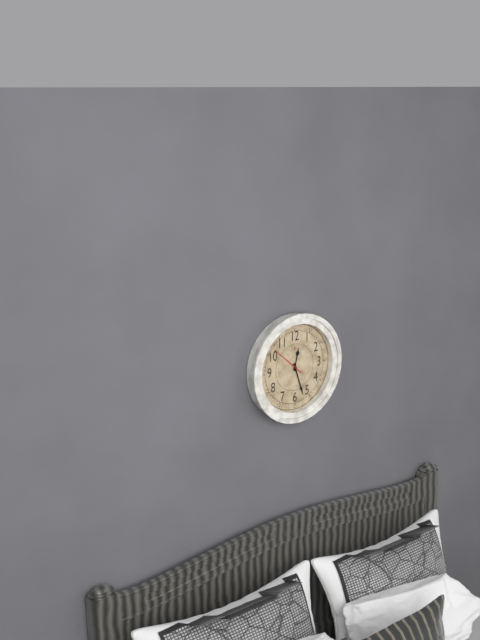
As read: 12:27
